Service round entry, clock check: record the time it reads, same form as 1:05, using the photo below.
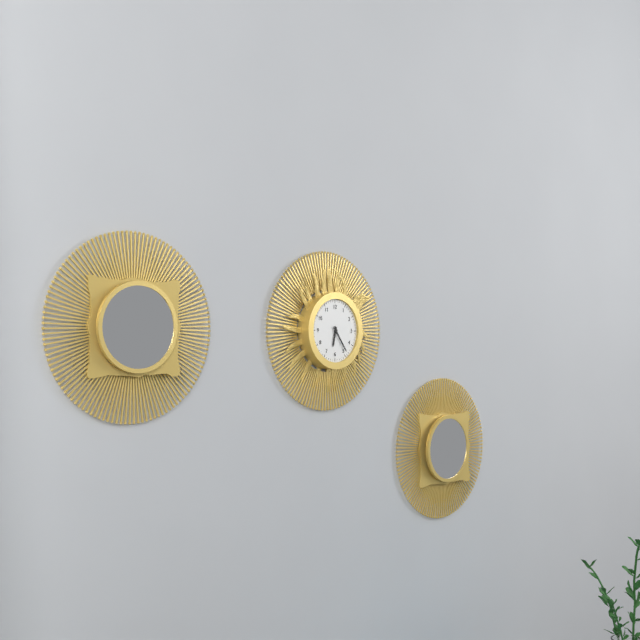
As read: 6:24
